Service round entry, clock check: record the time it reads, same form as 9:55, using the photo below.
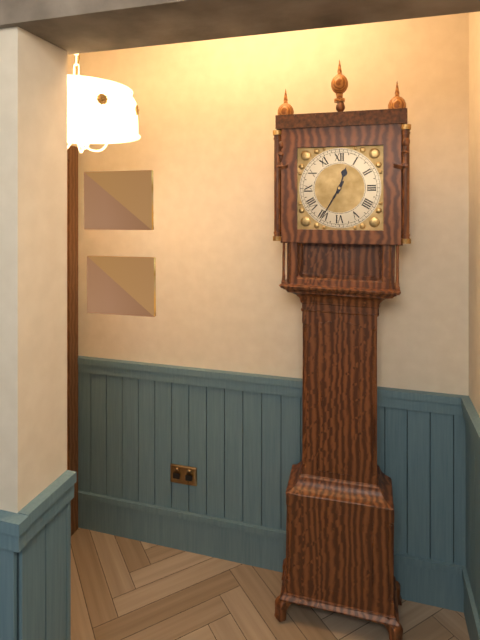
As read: 12:35
